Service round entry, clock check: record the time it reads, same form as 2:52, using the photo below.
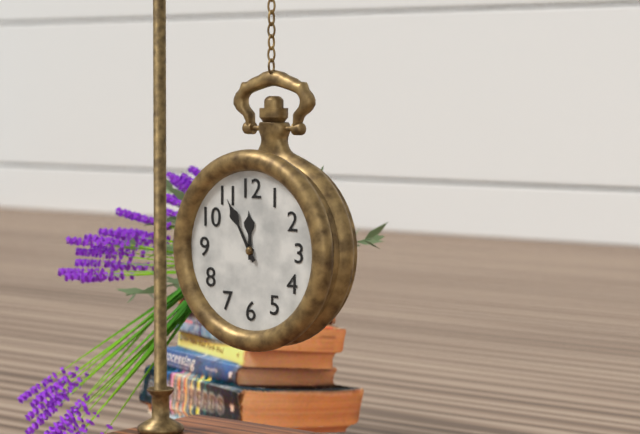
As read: 11:55
